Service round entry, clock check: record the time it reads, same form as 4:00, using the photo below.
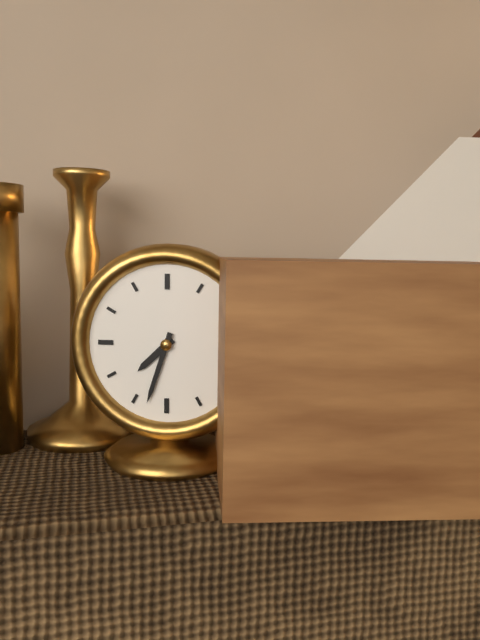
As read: 7:33
